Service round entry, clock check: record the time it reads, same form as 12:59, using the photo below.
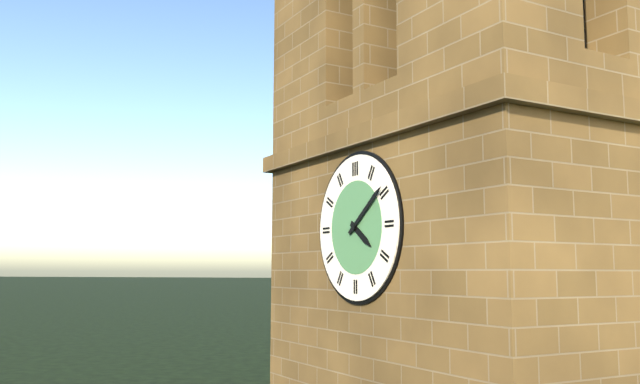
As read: 4:09
